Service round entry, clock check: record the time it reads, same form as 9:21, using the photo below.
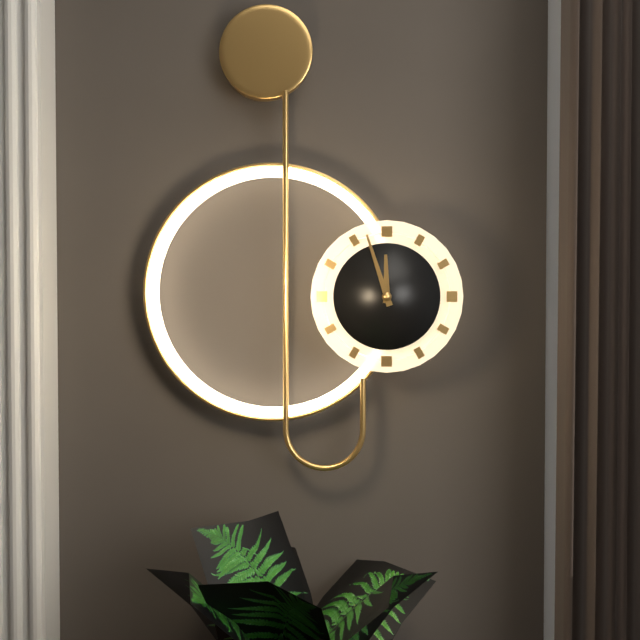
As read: 11:57
